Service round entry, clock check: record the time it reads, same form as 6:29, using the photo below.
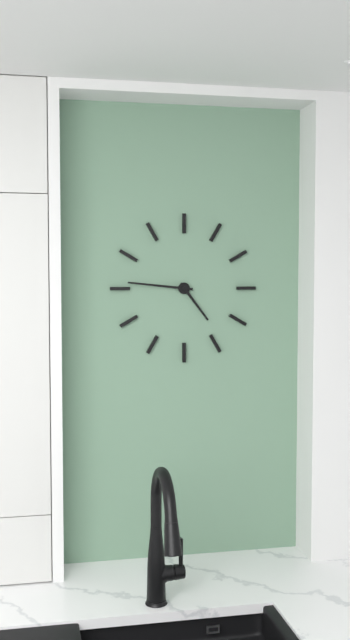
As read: 4:46
